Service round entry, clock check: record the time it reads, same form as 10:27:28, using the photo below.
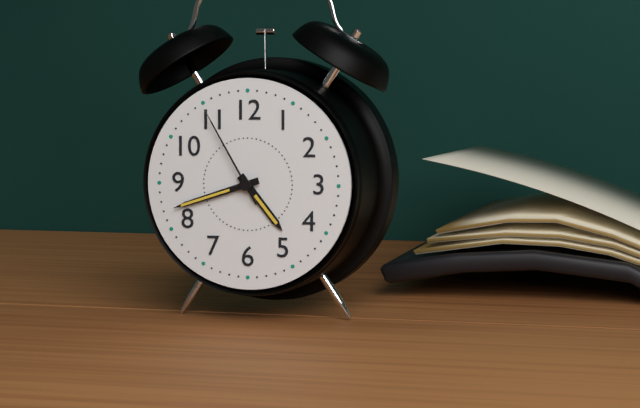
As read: 4:42:55
